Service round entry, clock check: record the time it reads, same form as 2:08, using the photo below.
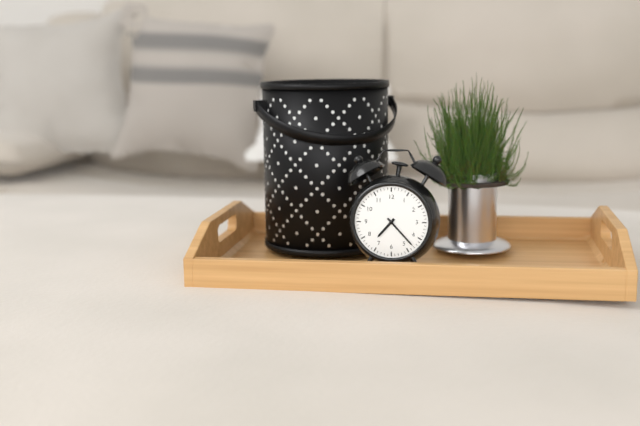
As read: 7:23
